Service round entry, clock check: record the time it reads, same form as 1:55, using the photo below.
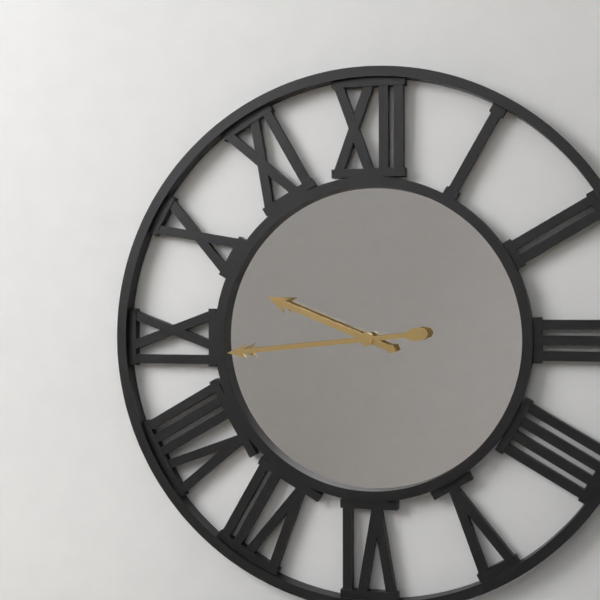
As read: 9:44
